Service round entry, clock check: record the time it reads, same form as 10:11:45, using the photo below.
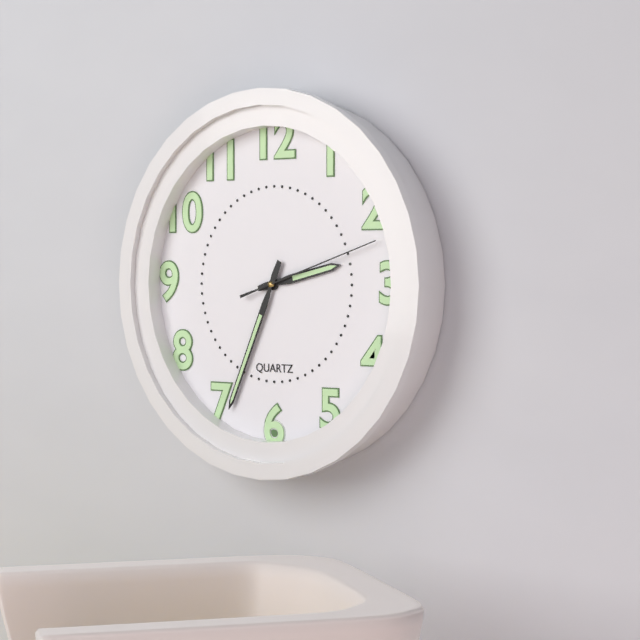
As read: 2:34:12
